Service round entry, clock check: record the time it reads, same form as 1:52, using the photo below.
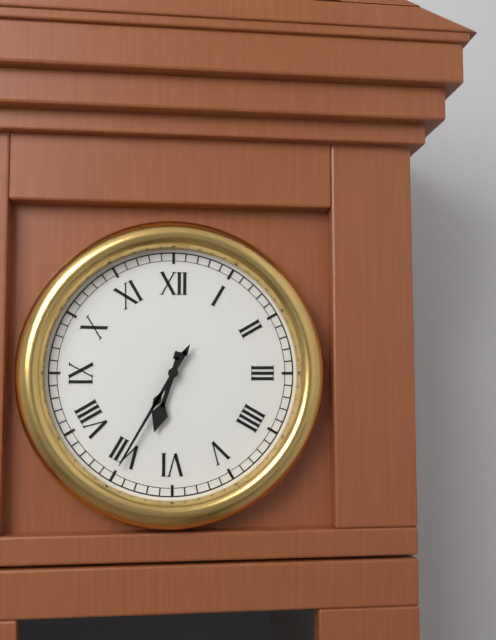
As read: 6:35
